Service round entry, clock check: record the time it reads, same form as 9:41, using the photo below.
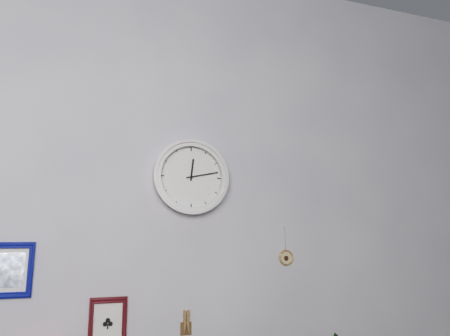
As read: 12:13
